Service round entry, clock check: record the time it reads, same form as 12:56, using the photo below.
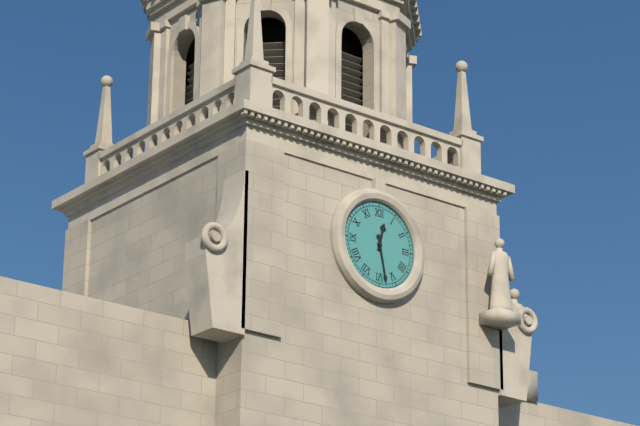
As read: 12:28
